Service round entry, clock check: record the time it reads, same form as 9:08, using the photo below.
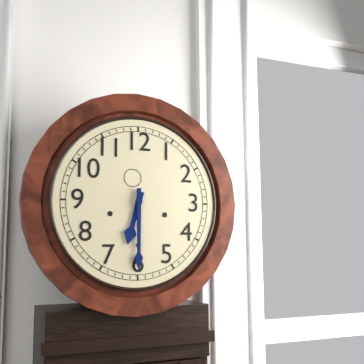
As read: 6:30
